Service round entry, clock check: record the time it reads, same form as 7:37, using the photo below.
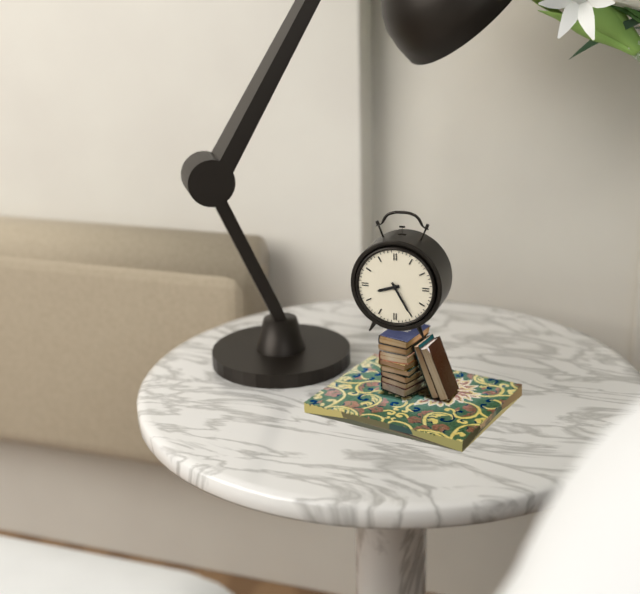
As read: 8:25
